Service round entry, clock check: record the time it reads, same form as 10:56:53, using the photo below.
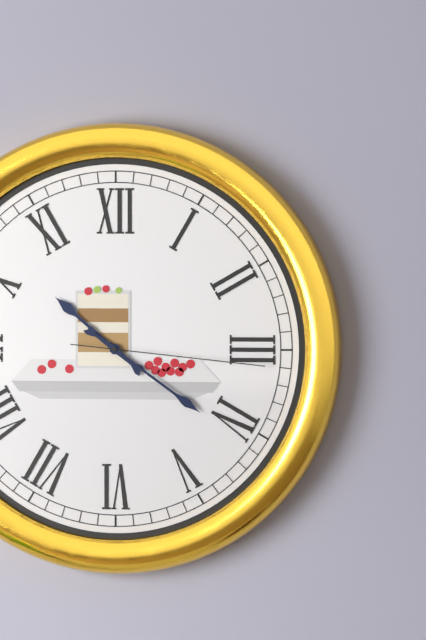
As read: 10:21:16
